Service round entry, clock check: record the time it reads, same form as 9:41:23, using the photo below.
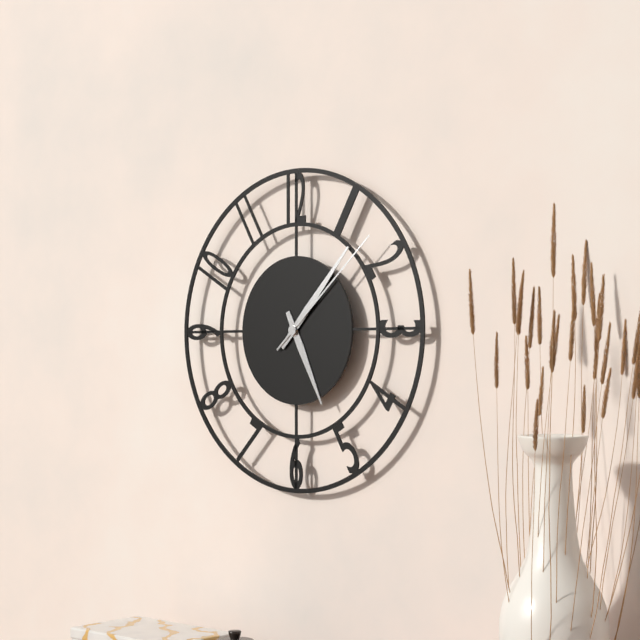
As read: 5:07:08
